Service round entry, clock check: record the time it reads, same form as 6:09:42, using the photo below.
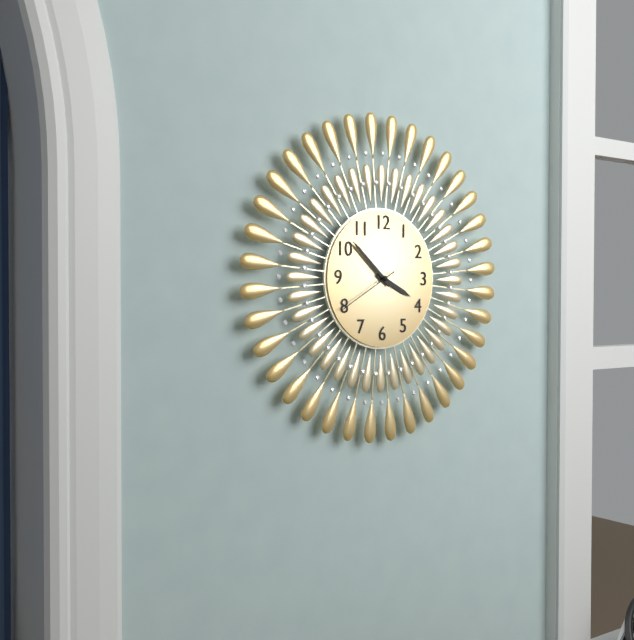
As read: 3:52:40
